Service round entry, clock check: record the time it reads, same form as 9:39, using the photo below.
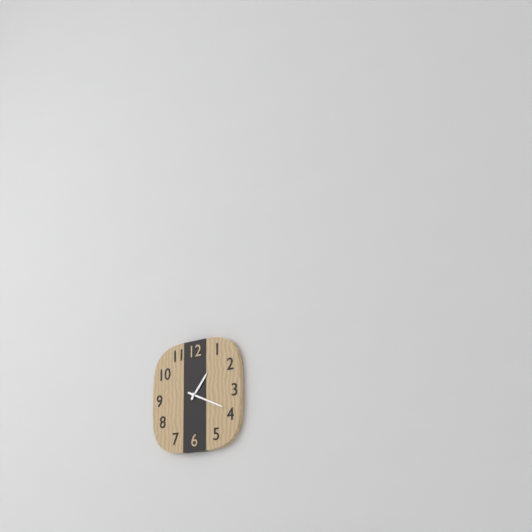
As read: 1:19
